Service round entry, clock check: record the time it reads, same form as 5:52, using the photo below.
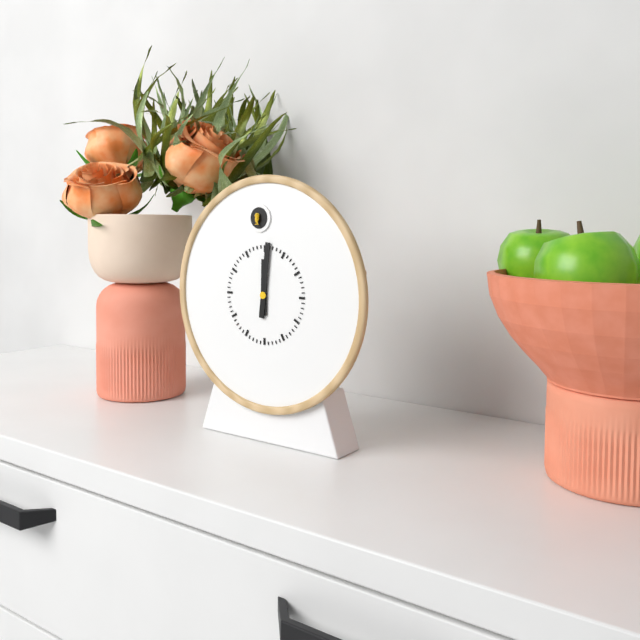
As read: 12:01
